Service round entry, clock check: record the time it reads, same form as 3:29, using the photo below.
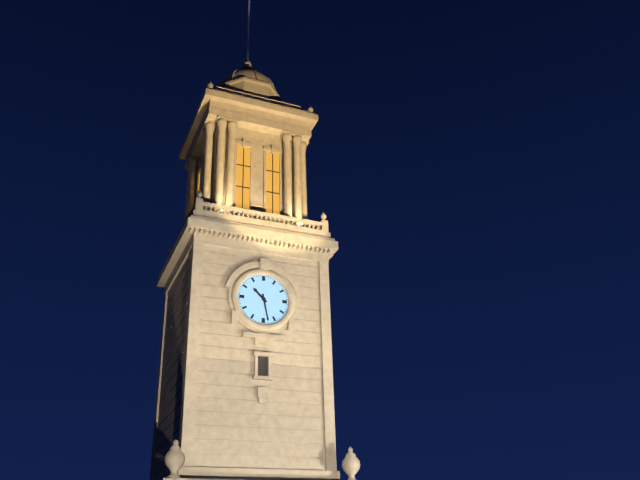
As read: 10:28
